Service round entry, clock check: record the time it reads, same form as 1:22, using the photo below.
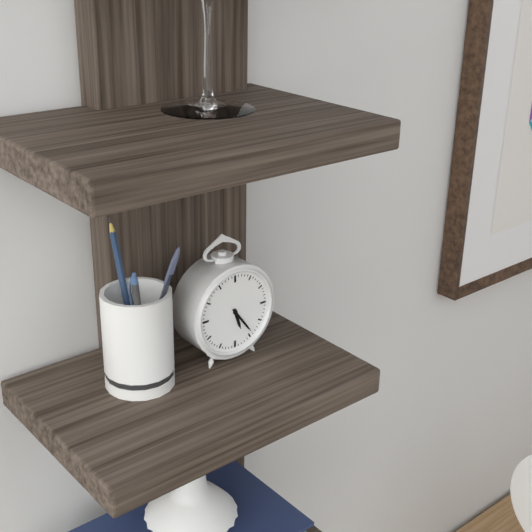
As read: 5:24
